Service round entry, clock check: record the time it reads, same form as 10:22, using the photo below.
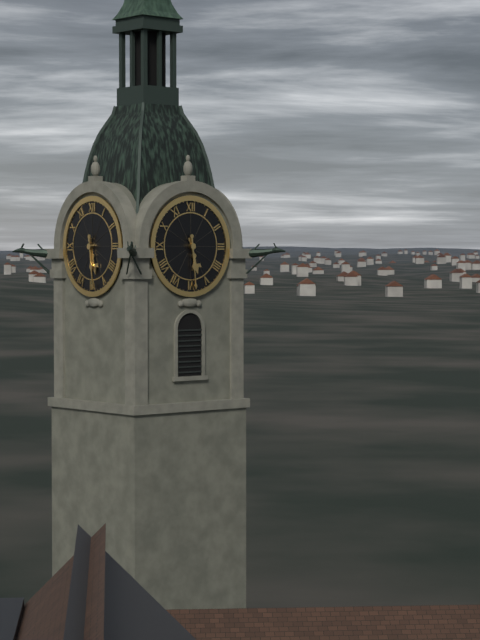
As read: 5:29
